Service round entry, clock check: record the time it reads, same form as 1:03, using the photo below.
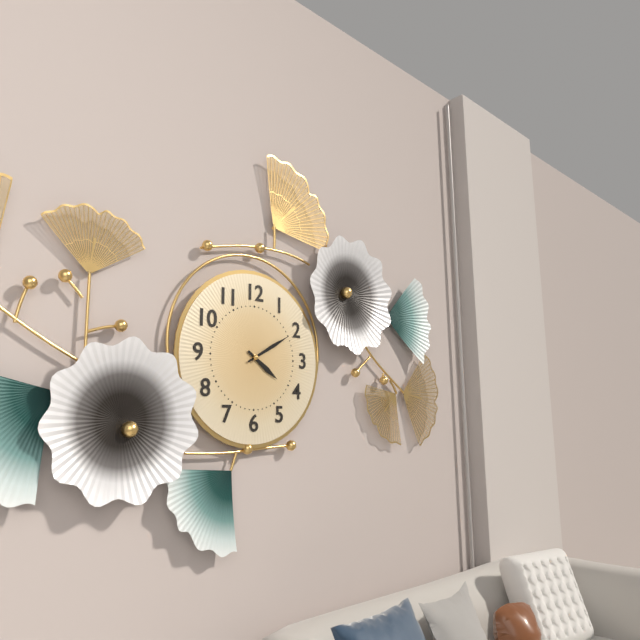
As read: 4:10
